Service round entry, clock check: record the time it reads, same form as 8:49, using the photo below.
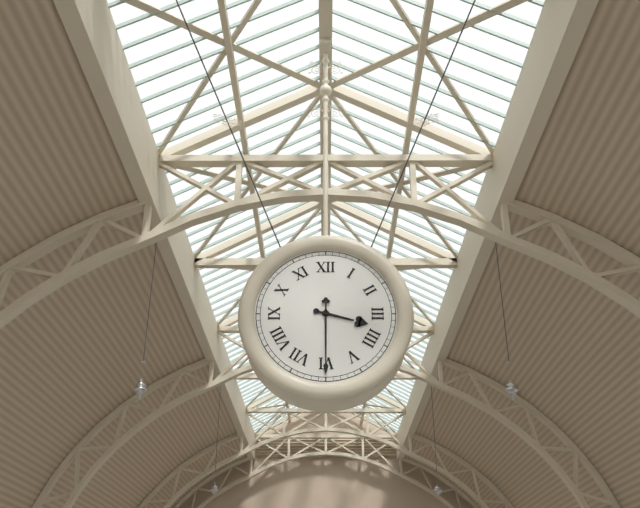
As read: 3:30
